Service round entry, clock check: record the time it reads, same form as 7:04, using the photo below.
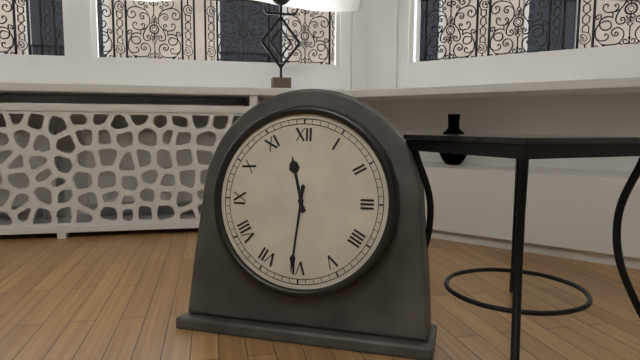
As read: 11:31
